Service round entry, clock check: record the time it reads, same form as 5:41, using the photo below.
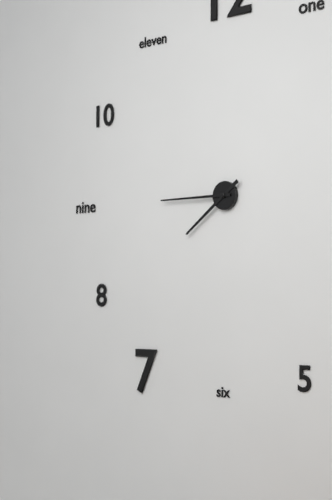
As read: 7:45
